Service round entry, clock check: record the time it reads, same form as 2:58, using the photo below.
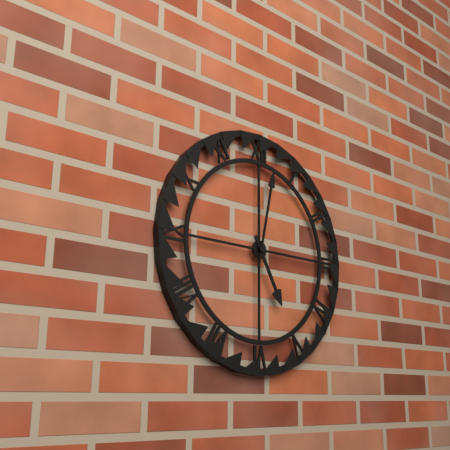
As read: 5:02
